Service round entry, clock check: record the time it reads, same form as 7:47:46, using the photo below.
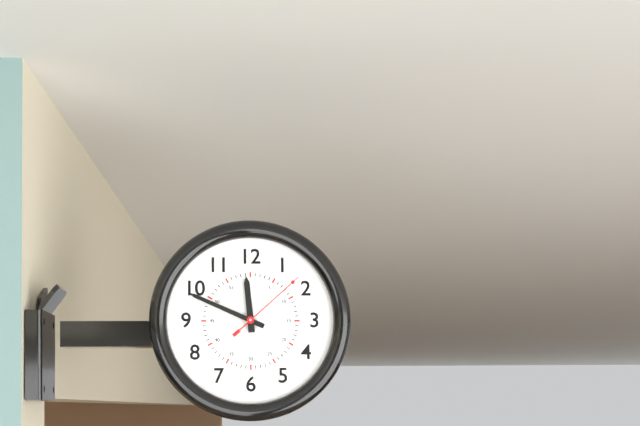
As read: 11:49:08
